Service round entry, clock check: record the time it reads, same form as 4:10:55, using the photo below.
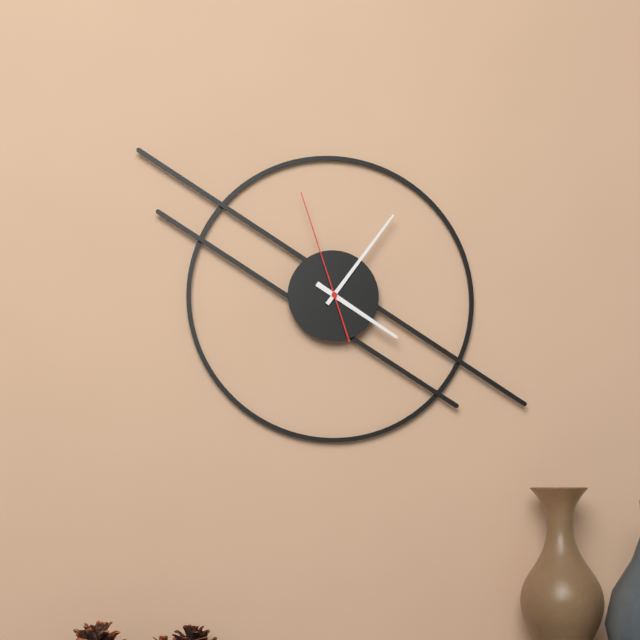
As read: 4:06:57
